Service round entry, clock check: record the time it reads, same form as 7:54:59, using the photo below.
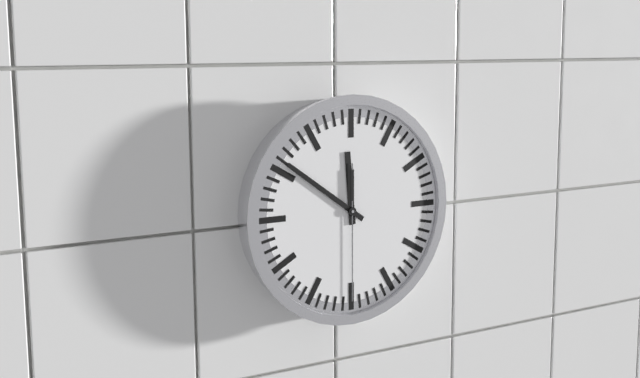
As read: 11:51:30
